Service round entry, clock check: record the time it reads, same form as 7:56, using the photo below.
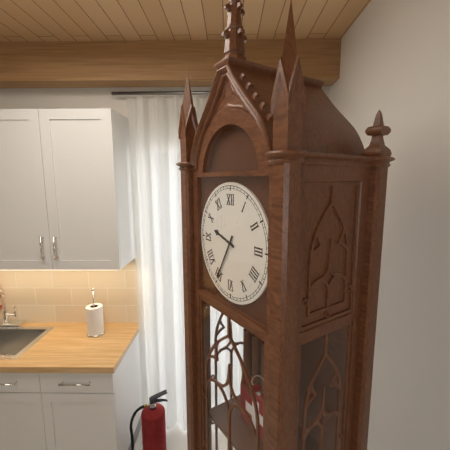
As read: 9:35
